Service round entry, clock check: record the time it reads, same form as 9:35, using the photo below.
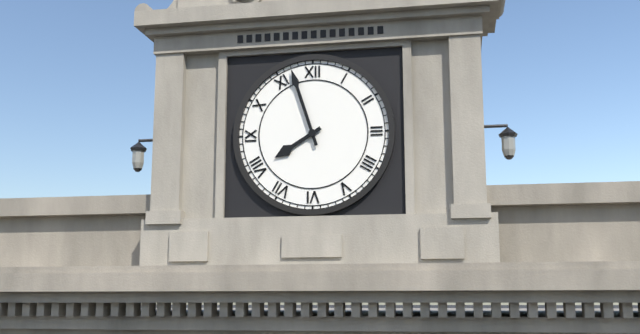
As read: 7:57
